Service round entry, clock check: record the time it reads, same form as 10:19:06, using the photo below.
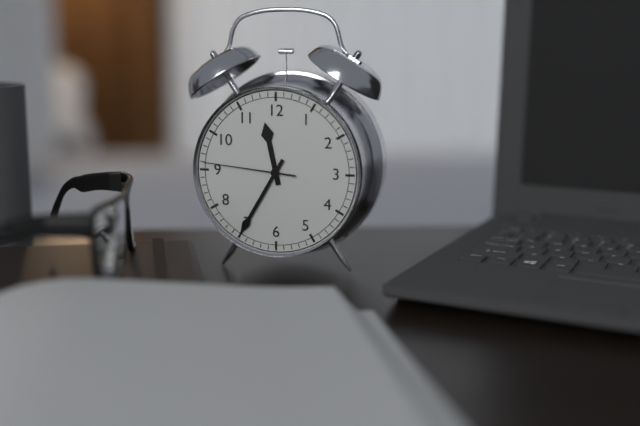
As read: 11:35:46
